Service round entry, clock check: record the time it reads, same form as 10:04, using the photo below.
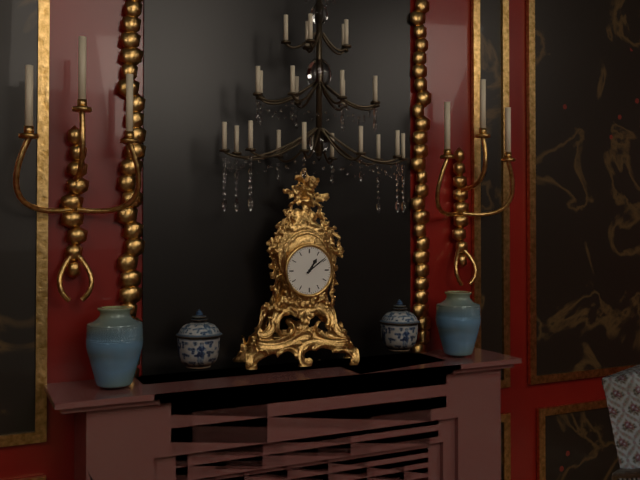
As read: 1:09
